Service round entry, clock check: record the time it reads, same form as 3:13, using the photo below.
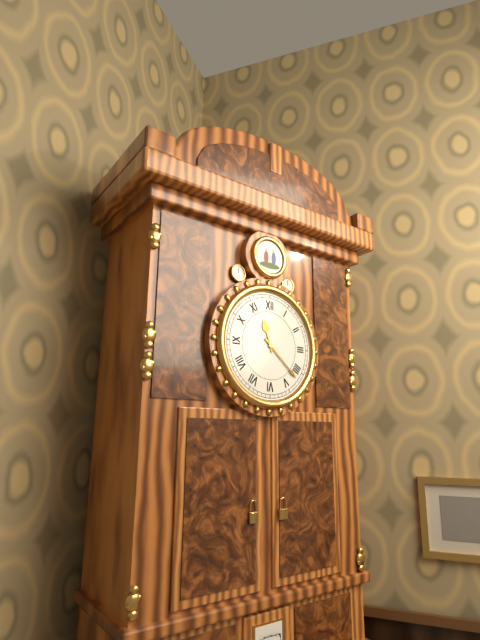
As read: 11:22
